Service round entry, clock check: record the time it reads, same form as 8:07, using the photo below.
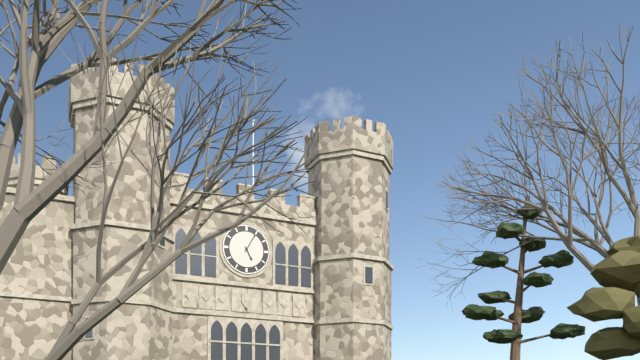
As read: 5:05
